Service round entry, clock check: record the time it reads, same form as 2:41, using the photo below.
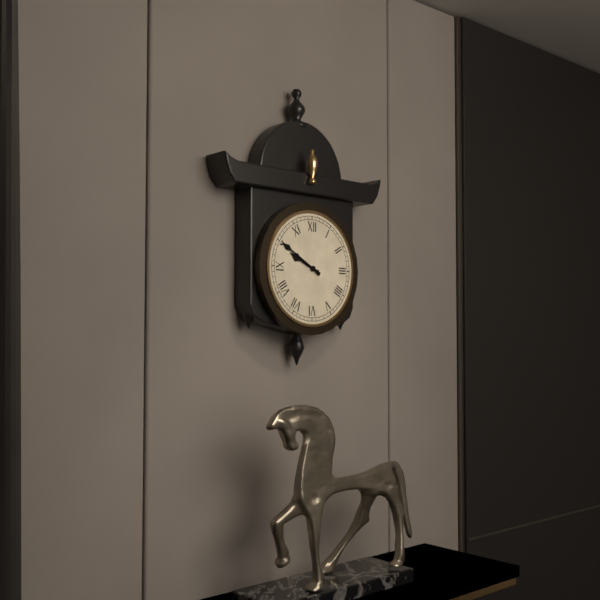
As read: 9:50
